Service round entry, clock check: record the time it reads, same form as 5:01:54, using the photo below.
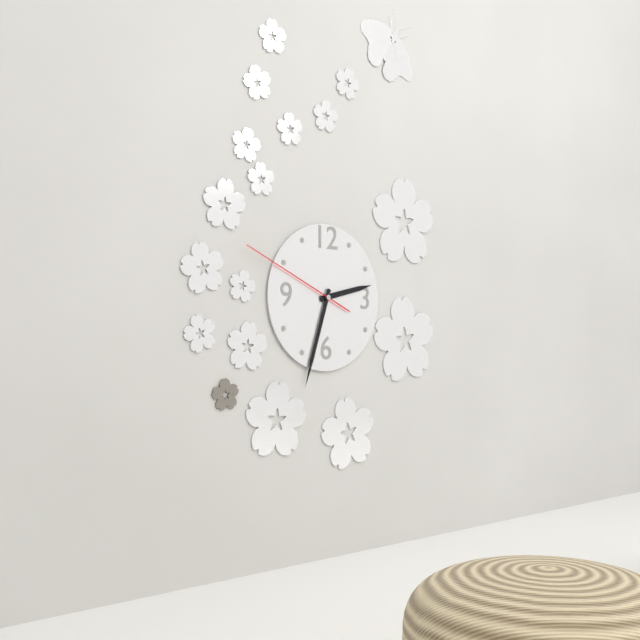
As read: 2:33:49
